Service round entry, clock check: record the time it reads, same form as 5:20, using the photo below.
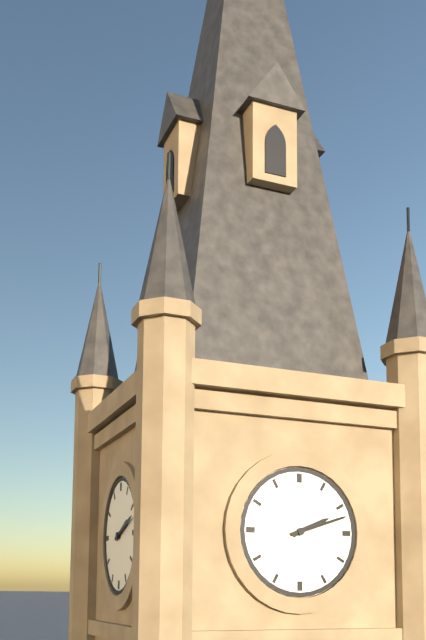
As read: 2:12
